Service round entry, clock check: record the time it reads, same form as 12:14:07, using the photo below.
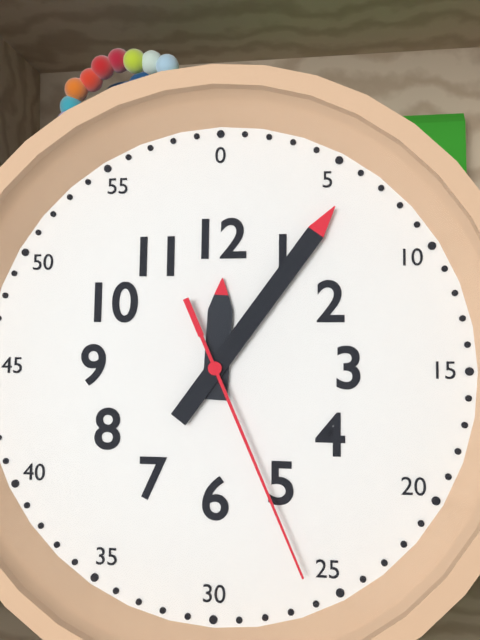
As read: 12:06:26
